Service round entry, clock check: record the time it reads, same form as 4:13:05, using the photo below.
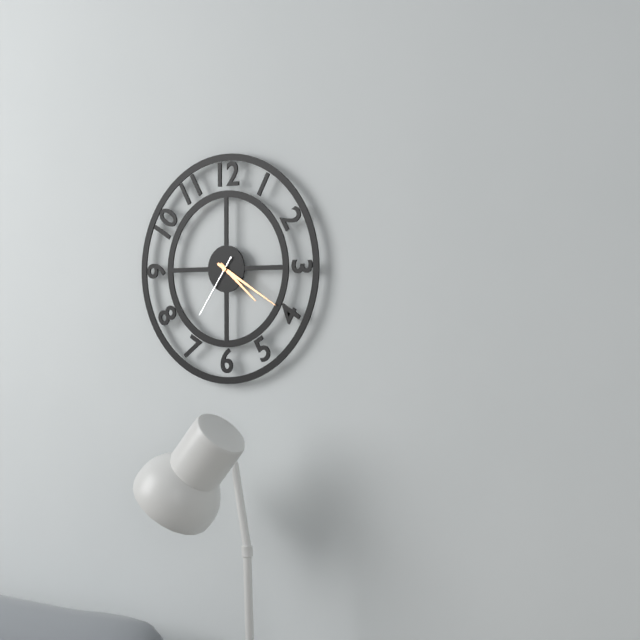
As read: 4:20:36
